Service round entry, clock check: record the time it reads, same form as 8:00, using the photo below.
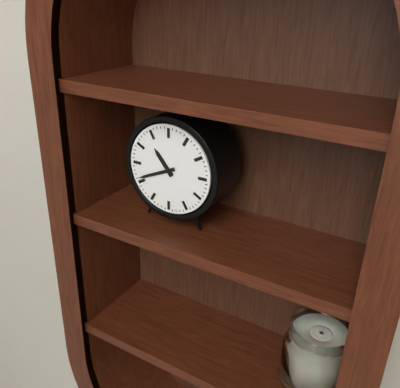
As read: 10:41
